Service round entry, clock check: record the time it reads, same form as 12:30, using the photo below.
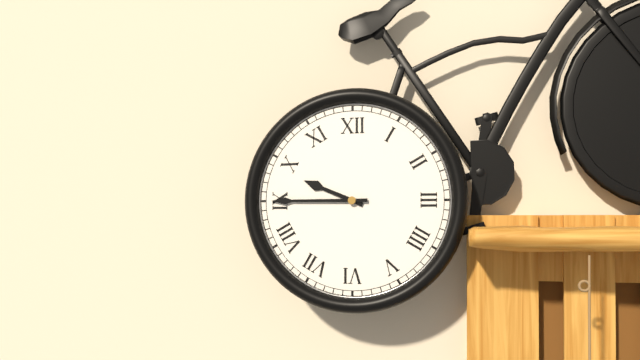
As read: 9:45
